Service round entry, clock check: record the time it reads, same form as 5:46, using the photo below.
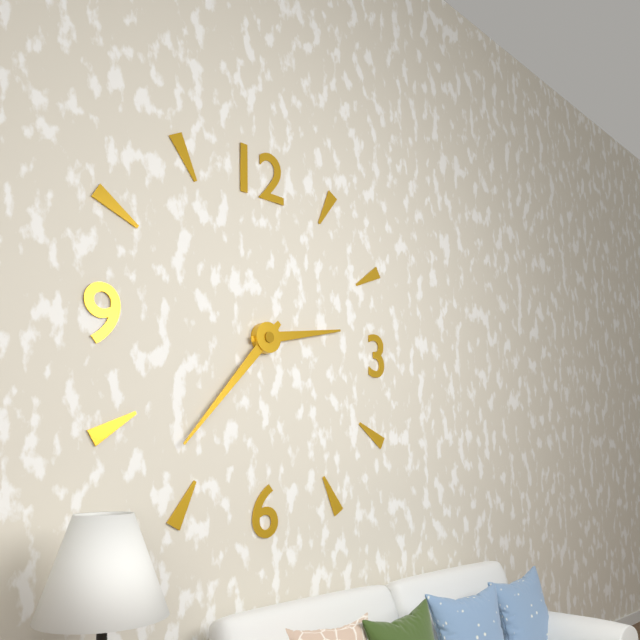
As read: 2:37
